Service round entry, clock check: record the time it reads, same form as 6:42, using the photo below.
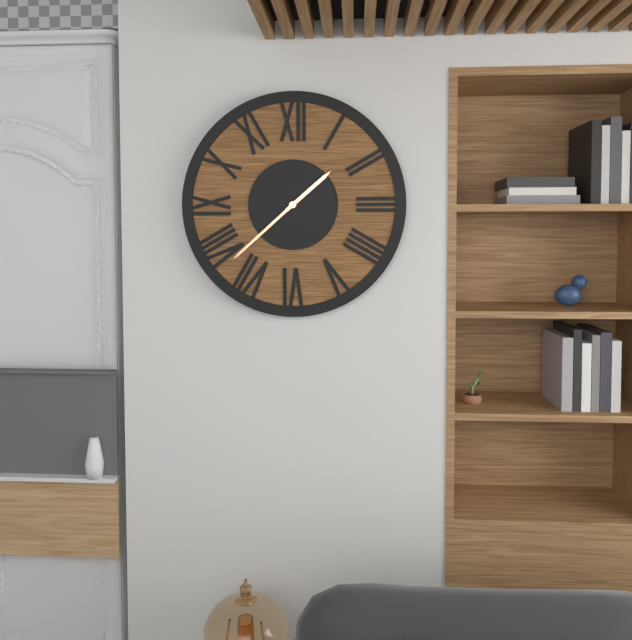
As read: 1:38
